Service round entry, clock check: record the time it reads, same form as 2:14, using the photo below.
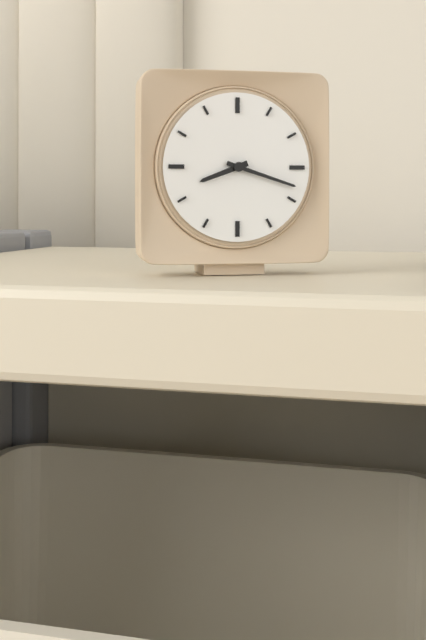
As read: 8:18
